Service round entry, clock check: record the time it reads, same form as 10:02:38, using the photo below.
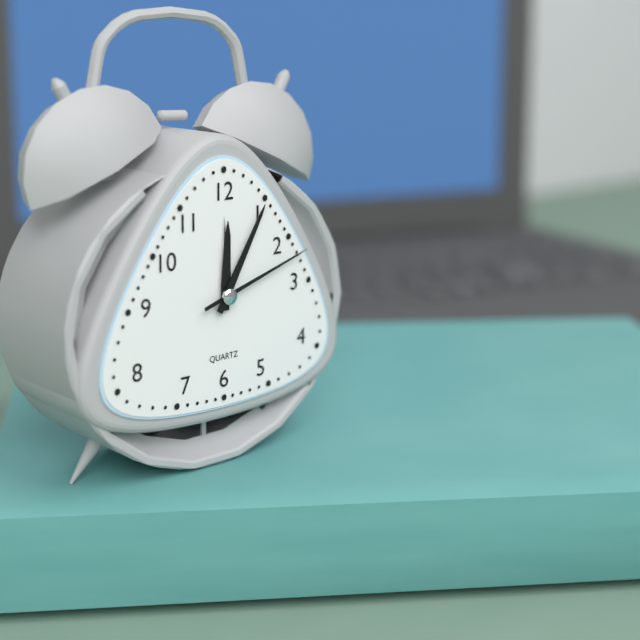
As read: 12:05:12
